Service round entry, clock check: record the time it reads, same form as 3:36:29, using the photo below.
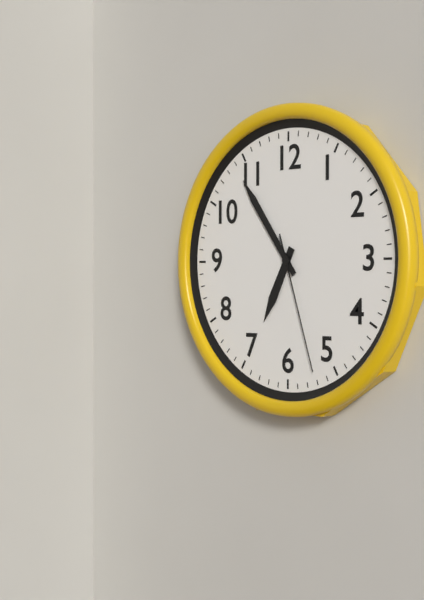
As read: 6:54:27
